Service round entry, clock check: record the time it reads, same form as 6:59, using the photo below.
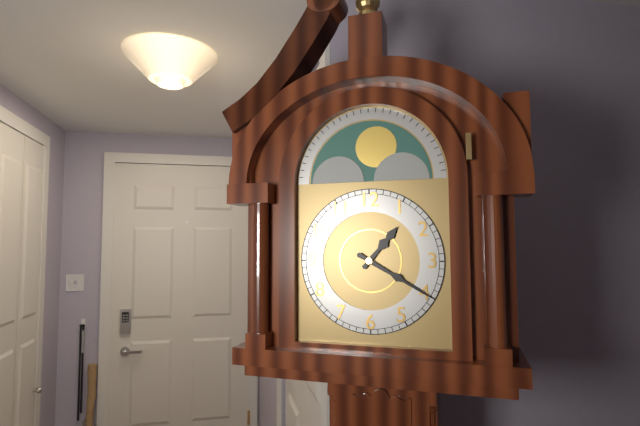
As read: 1:20
